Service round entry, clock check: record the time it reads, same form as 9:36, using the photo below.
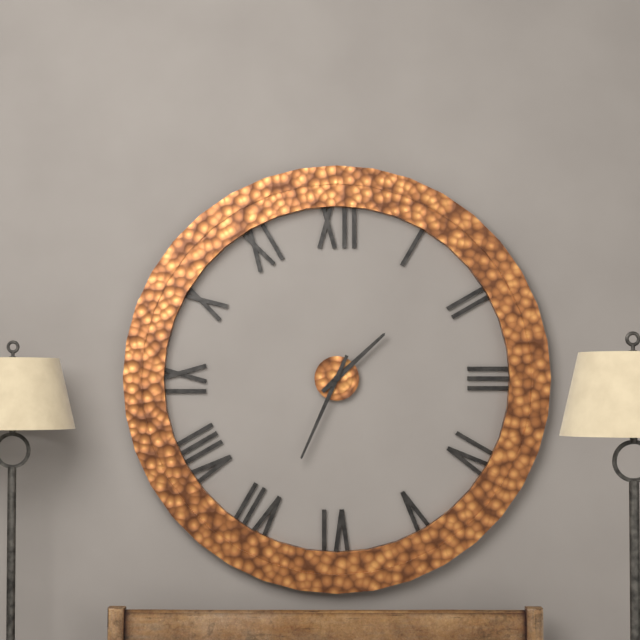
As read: 1:34
